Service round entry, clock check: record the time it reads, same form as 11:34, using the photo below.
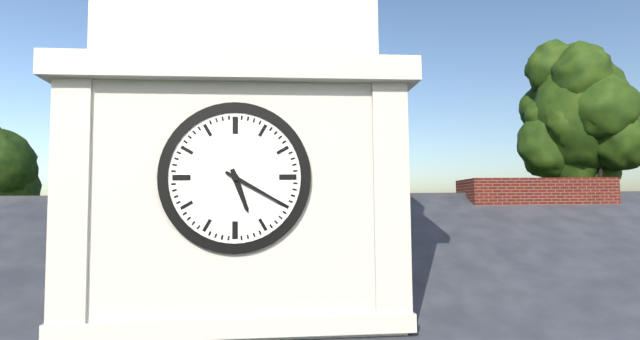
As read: 5:20
